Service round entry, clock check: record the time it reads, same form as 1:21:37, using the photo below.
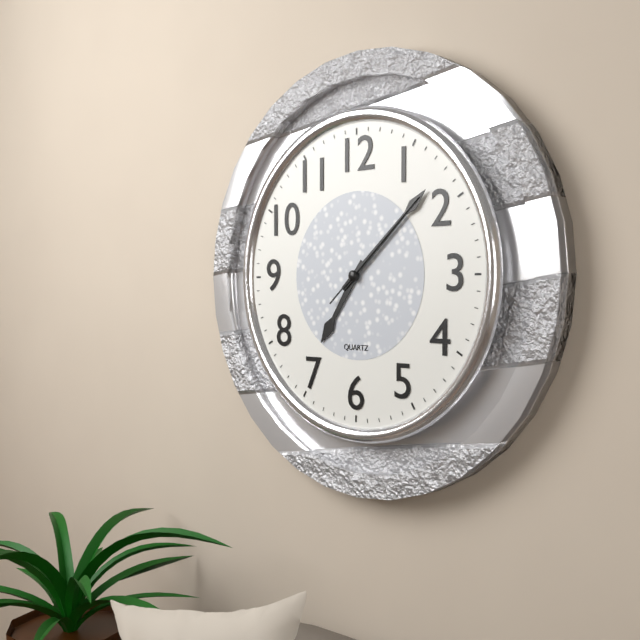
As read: 7:08:08
